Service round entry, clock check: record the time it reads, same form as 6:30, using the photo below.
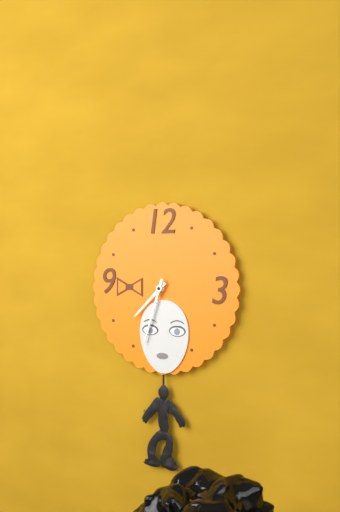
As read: 7:33
